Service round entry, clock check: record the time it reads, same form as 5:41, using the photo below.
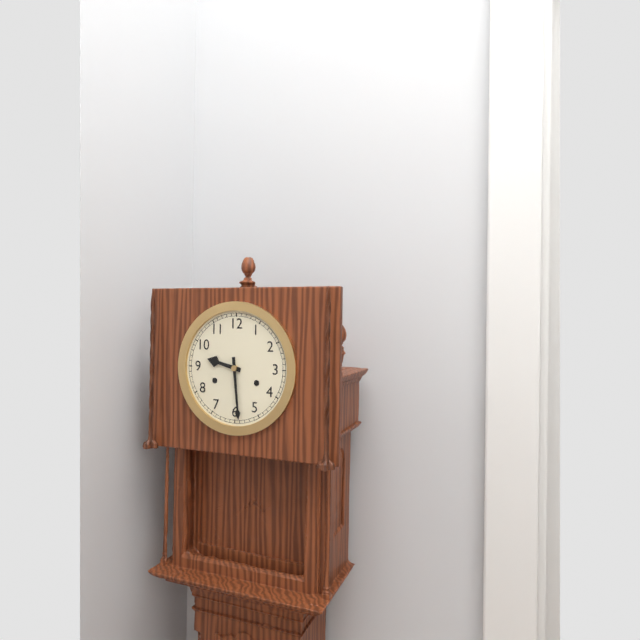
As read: 9:29
